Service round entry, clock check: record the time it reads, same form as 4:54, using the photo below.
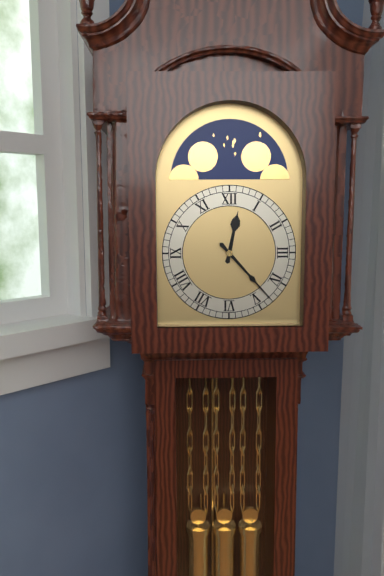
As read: 12:23
